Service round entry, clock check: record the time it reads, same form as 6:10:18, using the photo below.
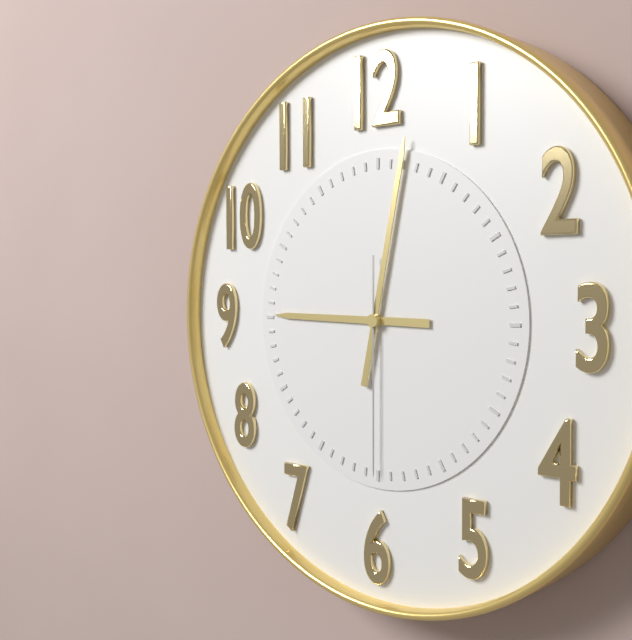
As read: 9:02:30
